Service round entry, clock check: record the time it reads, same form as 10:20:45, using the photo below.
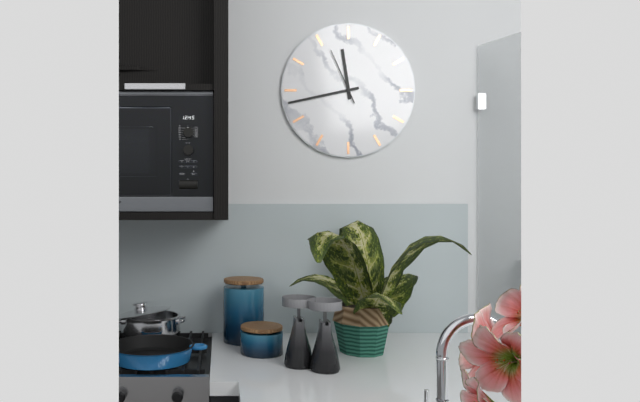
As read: 11:43:56
